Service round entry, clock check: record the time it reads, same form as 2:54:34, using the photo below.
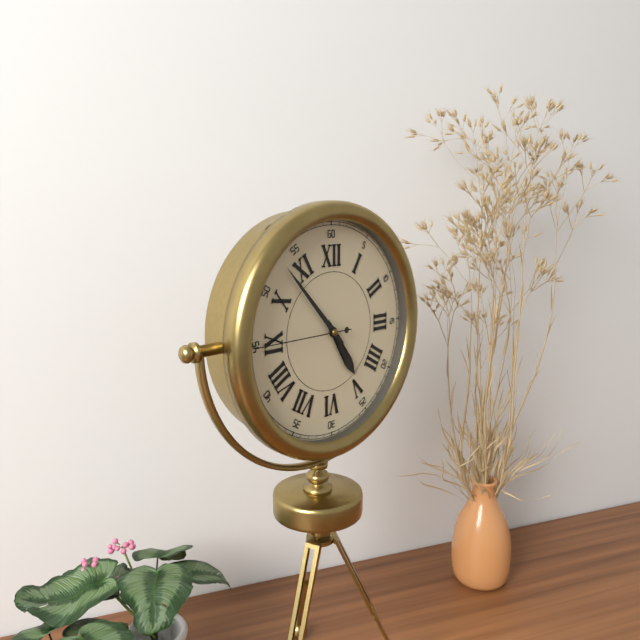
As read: 4:53:45
